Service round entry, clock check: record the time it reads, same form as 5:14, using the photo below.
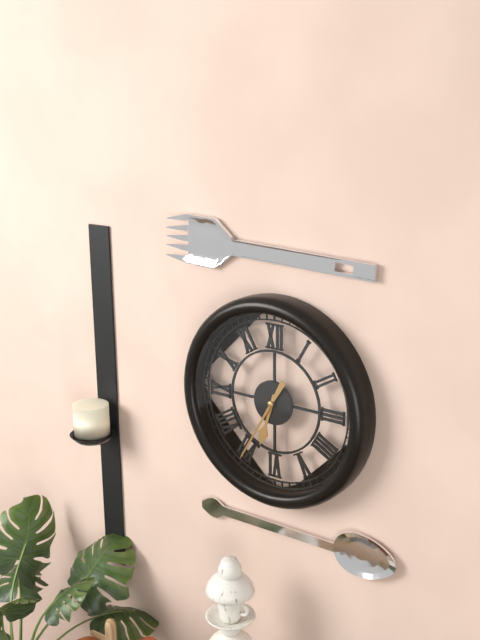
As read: 6:35
